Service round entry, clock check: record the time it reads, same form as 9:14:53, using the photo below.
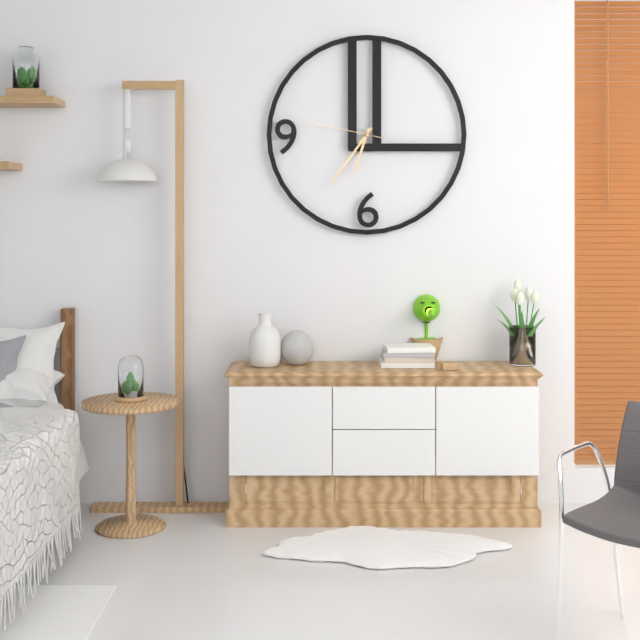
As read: 6:36:47
